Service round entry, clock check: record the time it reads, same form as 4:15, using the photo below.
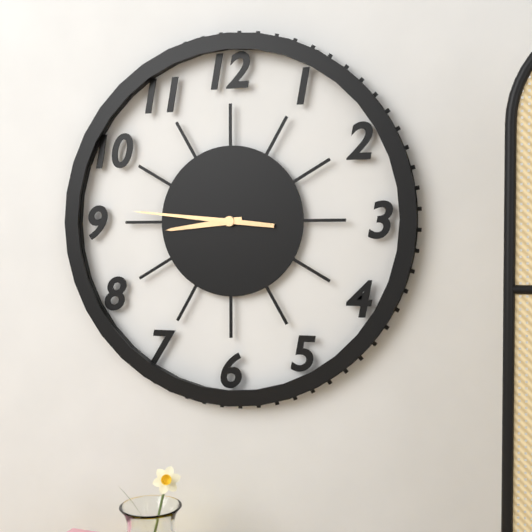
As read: 8:46
